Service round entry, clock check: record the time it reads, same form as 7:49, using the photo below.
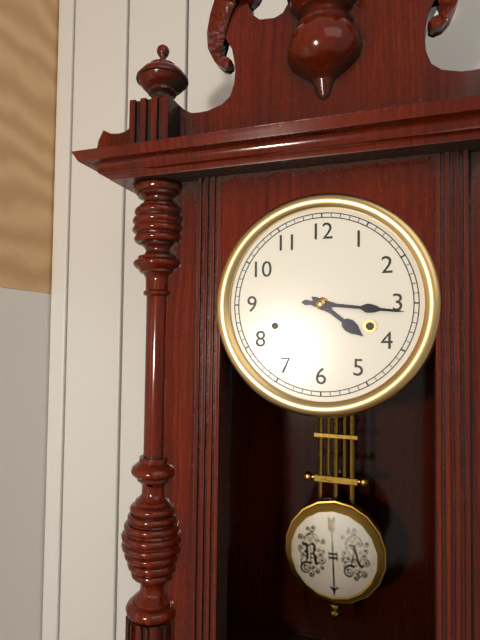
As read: 4:16
